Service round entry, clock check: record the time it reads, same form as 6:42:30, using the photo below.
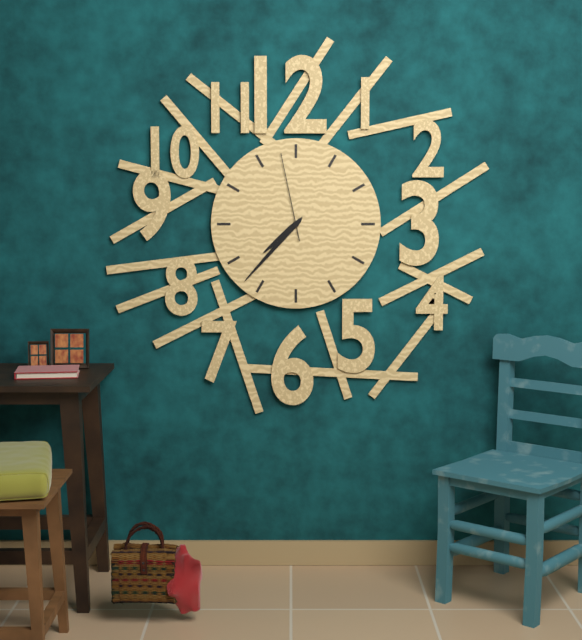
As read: 7:37:58
